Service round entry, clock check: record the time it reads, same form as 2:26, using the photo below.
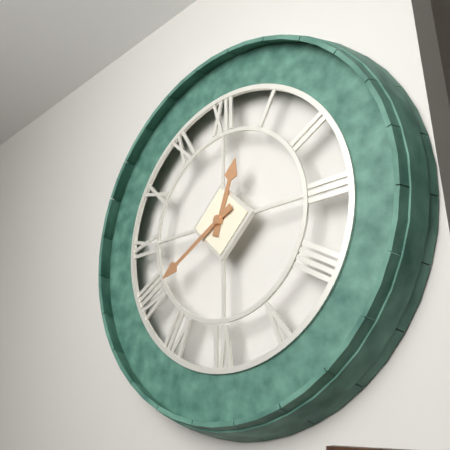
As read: 12:40
